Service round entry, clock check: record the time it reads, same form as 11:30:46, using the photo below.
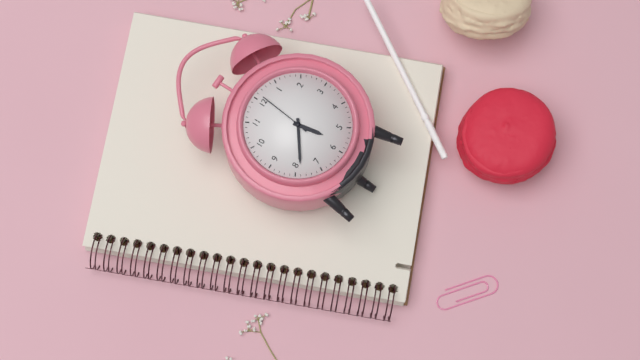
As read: 5:39:01
